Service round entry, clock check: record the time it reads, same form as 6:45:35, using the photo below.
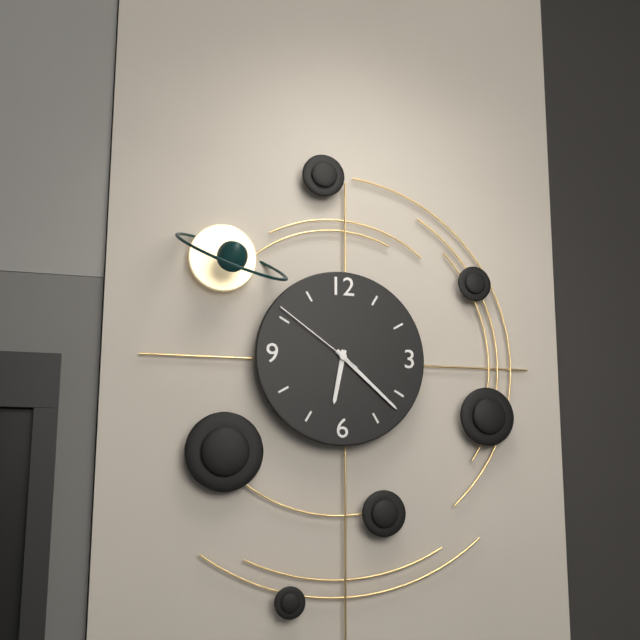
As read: 6:22:51
